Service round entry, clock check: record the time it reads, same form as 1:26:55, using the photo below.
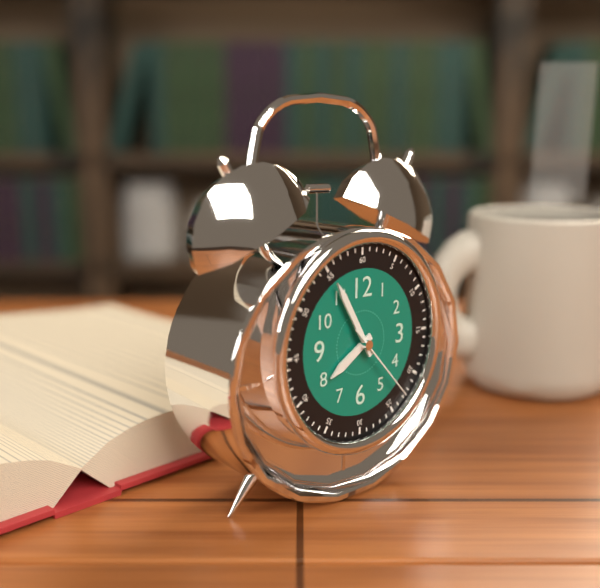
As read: 7:55:23
